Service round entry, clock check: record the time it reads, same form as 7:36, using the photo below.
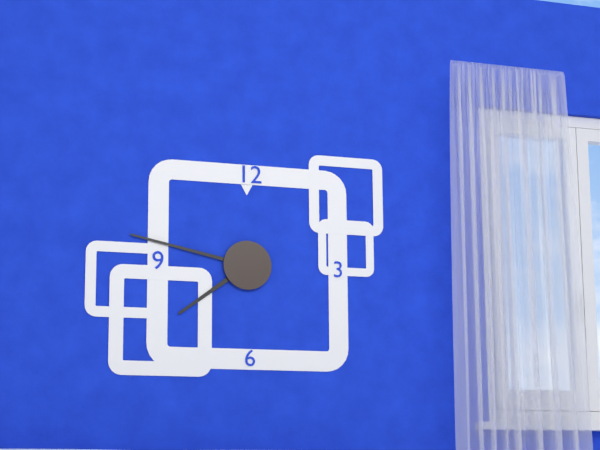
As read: 7:47
